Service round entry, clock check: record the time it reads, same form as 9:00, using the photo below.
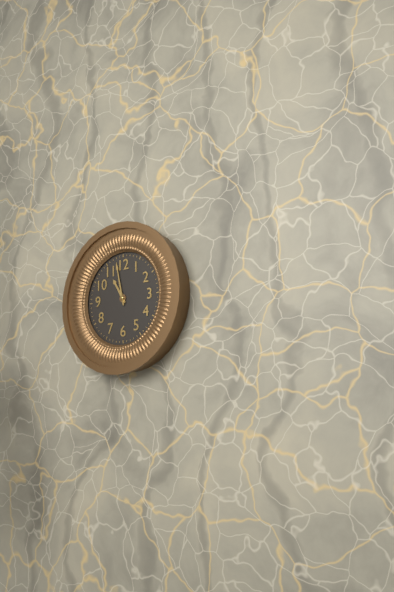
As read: 10:58
